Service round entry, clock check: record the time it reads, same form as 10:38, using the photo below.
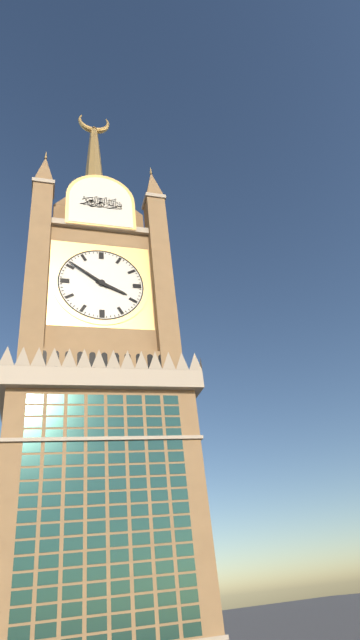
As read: 3:51
